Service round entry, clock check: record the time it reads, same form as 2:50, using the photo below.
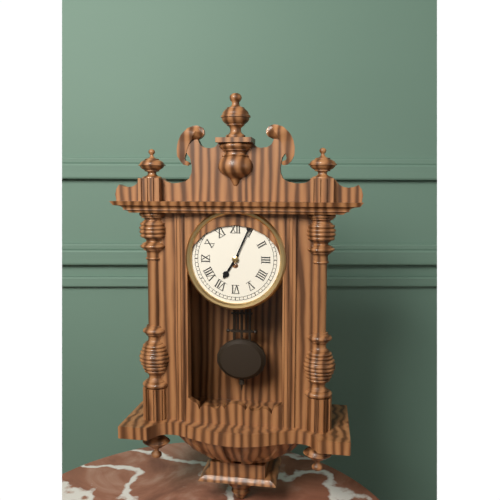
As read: 7:04
